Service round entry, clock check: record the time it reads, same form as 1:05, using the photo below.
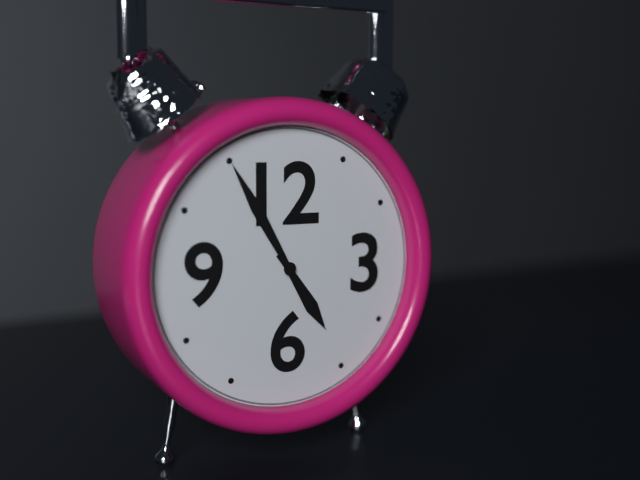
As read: 4:55
